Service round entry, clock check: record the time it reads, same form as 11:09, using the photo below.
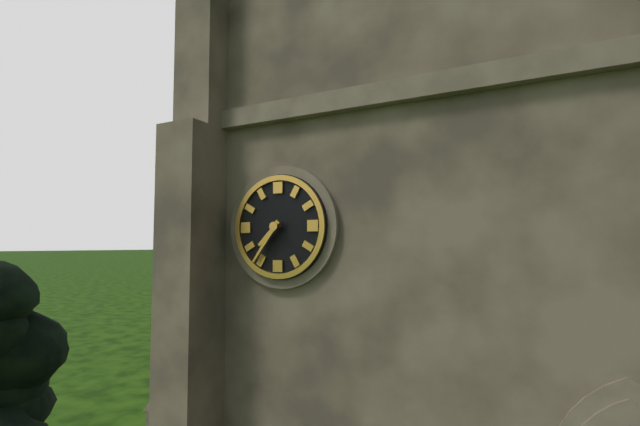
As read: 7:36
